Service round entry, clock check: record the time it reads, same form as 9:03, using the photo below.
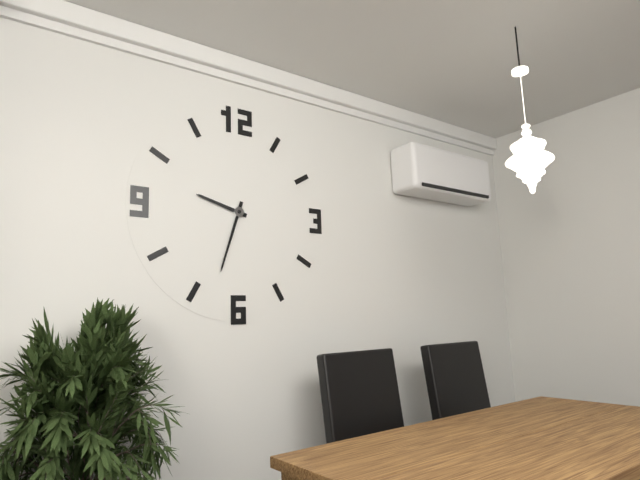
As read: 9:33
